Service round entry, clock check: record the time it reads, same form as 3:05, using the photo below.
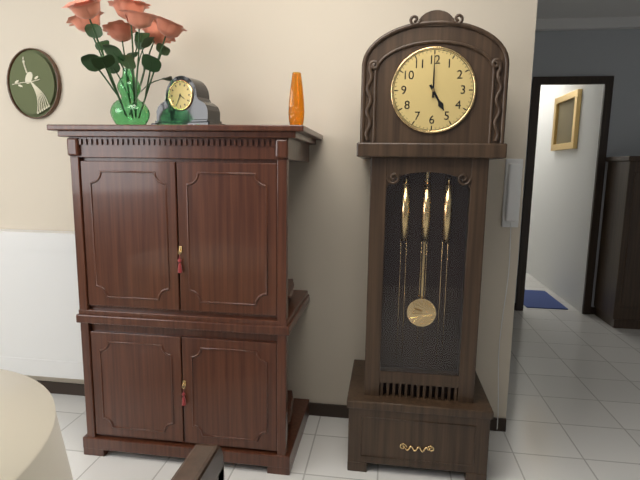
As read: 5:00
